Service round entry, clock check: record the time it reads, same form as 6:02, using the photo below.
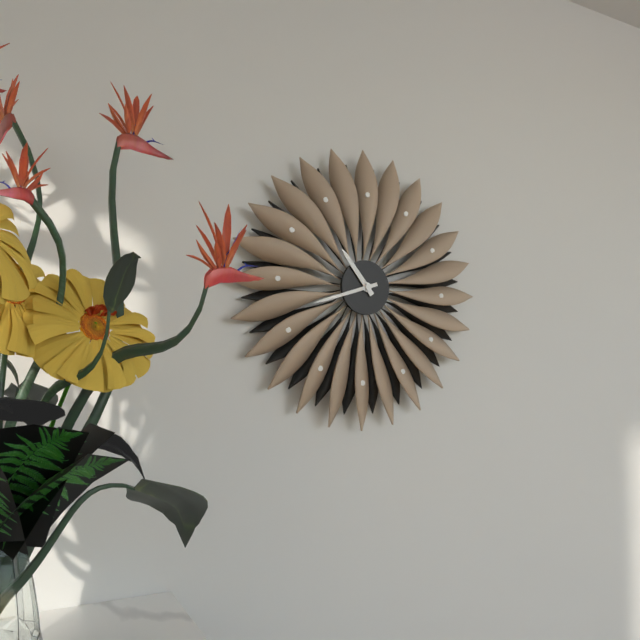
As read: 10:42
